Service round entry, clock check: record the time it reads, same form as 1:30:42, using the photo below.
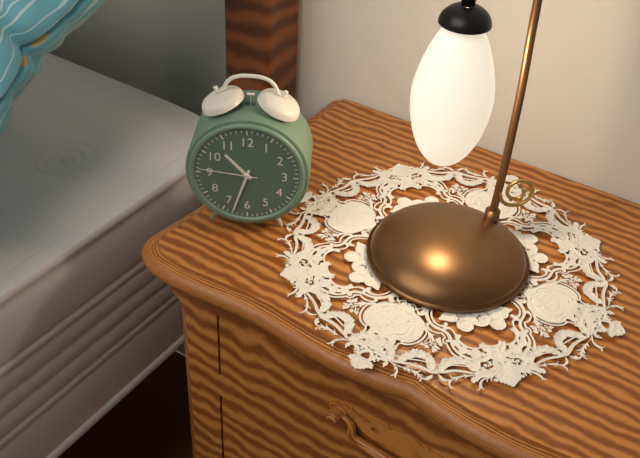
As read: 10:33:46
